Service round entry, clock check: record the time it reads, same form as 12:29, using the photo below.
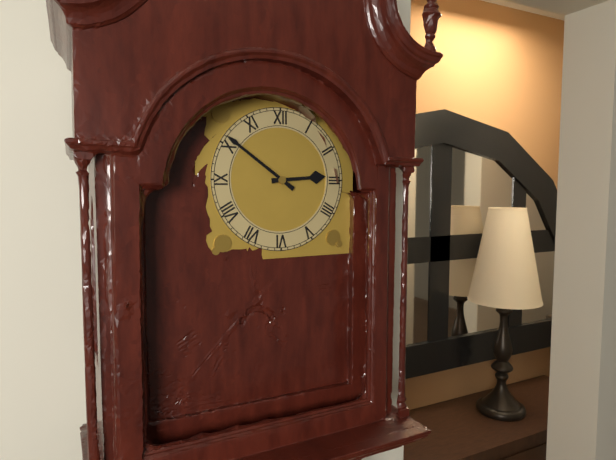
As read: 2:51
